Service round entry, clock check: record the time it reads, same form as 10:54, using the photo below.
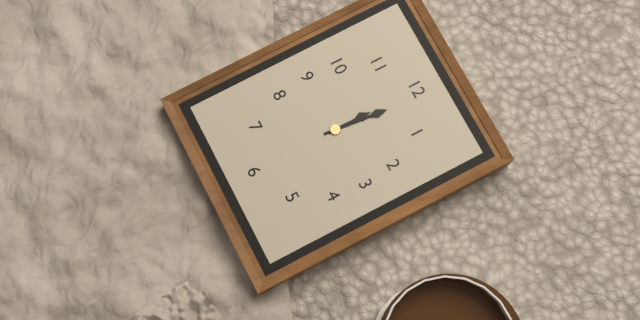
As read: 12:01
